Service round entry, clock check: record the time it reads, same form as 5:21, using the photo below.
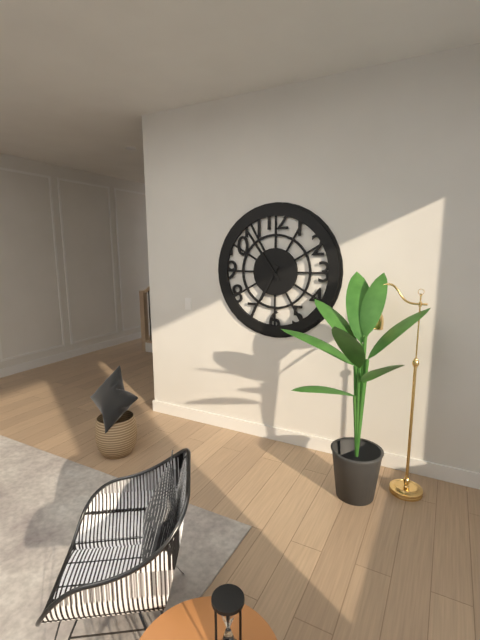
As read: 6:54
